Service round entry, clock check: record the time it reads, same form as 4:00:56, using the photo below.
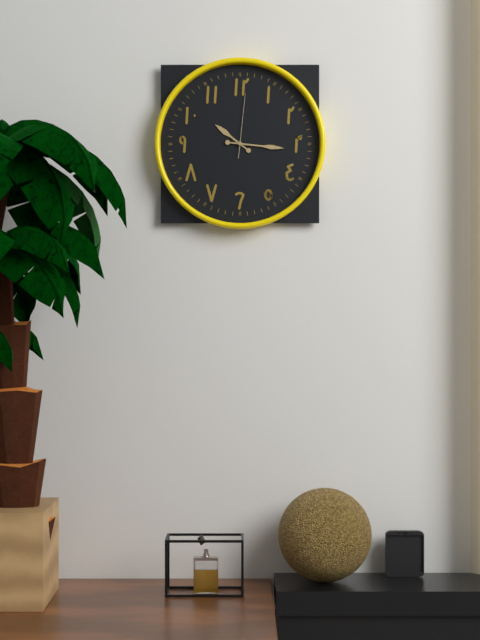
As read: 10:16:01
